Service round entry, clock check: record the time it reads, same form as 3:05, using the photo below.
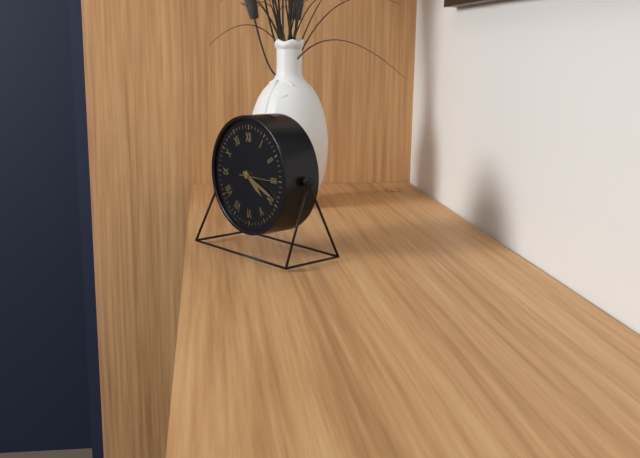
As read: 4:19
